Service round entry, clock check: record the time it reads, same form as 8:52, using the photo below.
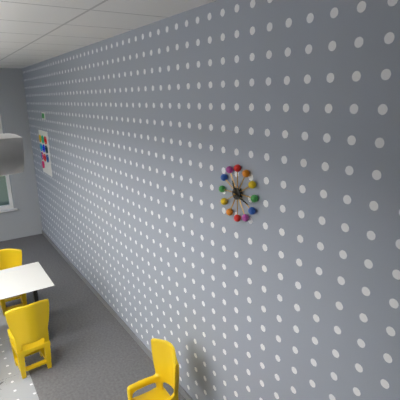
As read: 11:18
